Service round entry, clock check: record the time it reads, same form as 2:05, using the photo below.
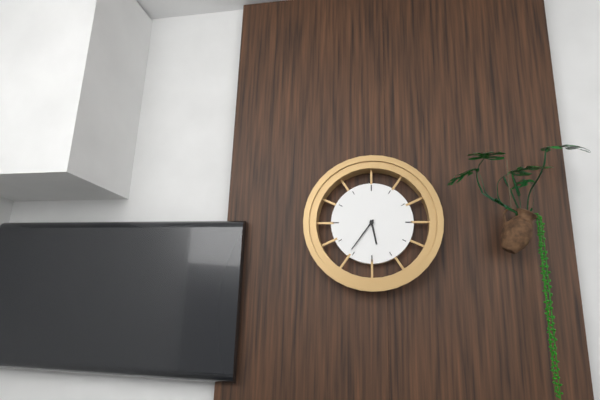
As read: 5:36
